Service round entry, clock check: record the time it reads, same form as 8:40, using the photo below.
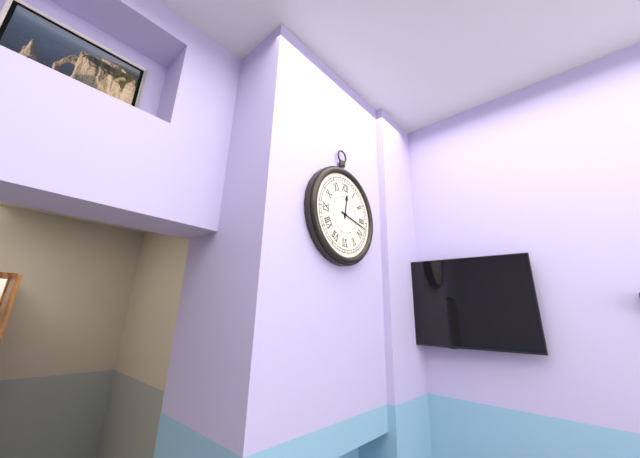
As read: 12:17
